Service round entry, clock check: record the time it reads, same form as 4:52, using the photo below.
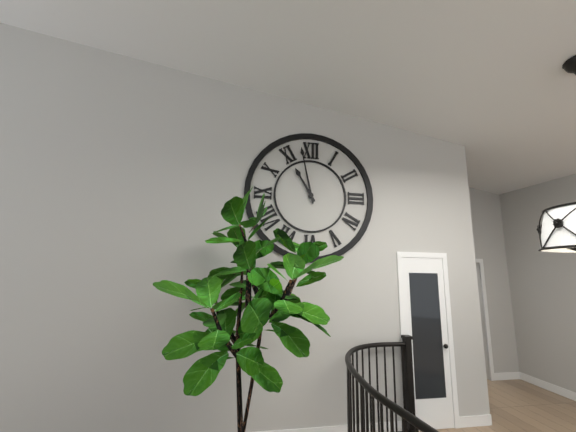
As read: 10:58
